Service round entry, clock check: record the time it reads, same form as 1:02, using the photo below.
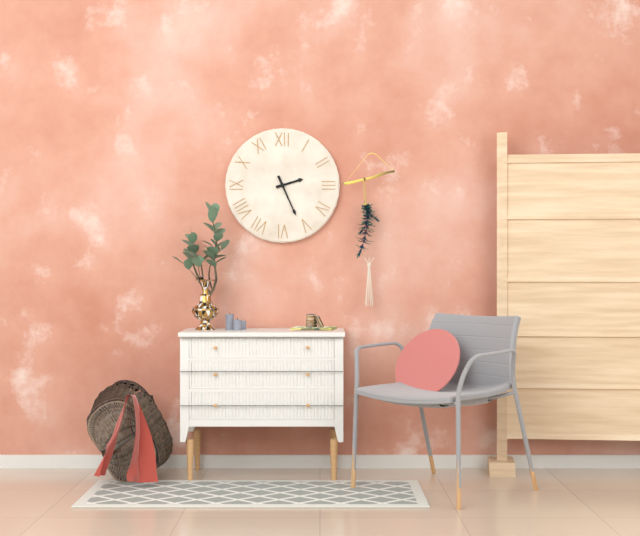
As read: 2:26
